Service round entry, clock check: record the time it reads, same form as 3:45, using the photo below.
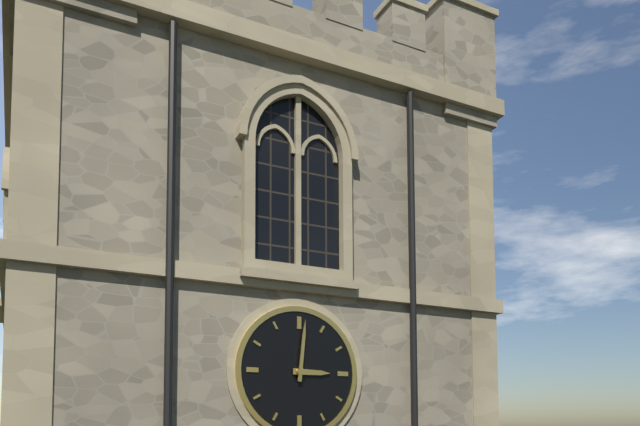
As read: 3:01
